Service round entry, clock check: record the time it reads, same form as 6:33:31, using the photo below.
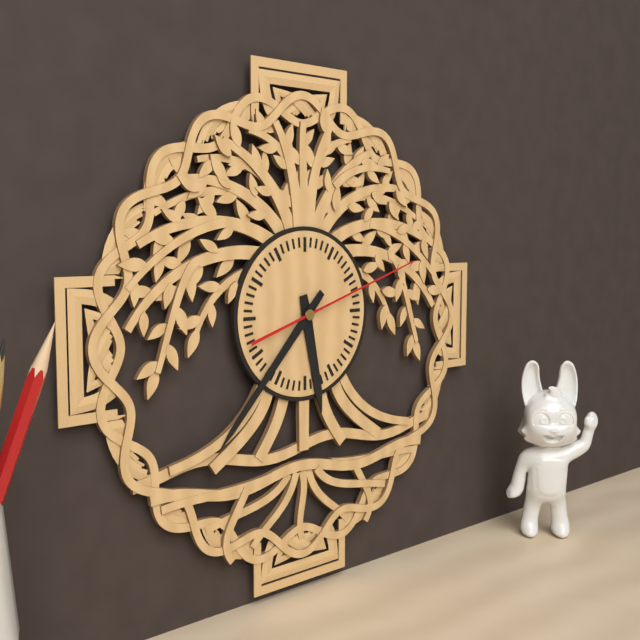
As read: 5:37:12
